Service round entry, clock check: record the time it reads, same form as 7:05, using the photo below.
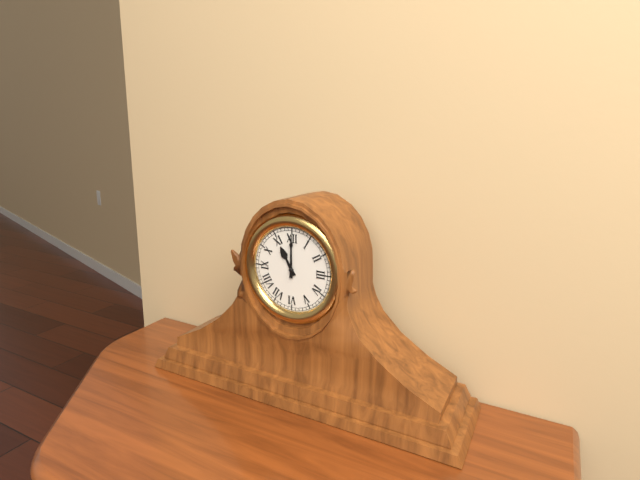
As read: 11:00
